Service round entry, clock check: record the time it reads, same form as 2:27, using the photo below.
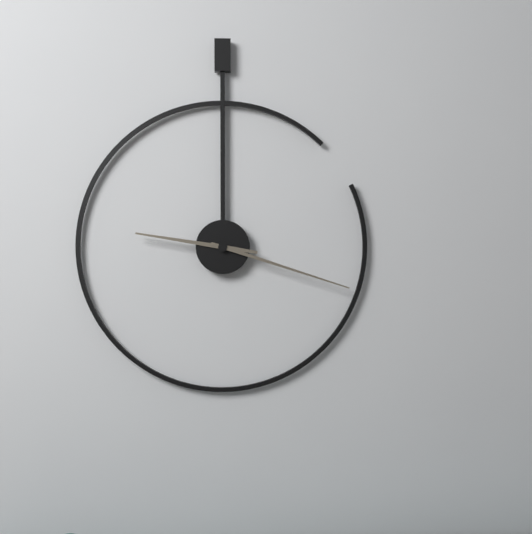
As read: 9:18
